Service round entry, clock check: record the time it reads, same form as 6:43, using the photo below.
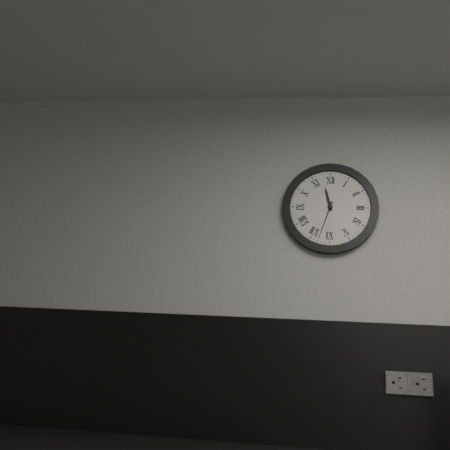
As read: 11:33
